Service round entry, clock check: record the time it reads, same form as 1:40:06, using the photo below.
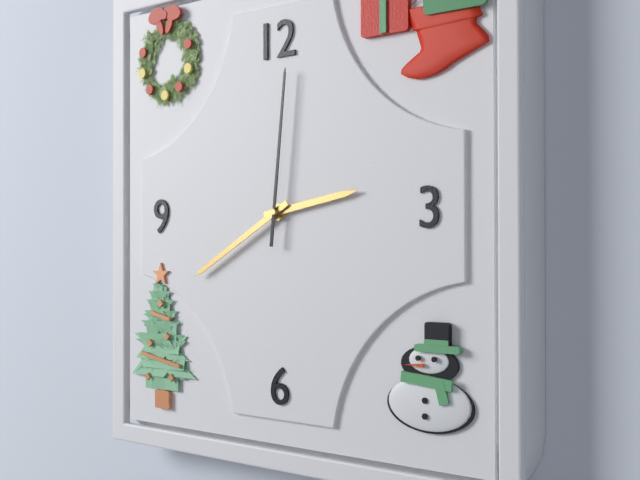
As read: 2:40:01
